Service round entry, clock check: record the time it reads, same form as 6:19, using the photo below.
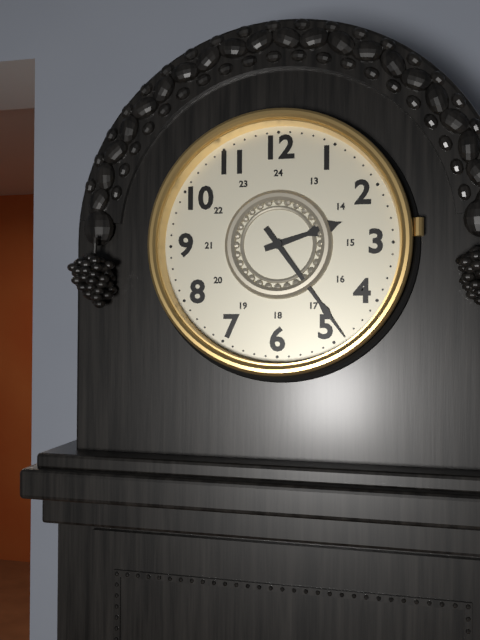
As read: 2:24
